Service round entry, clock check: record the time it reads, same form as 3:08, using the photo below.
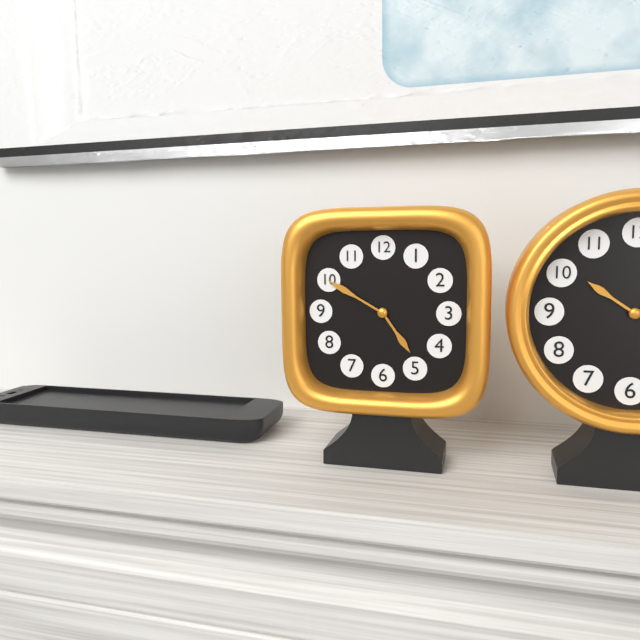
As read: 4:50
